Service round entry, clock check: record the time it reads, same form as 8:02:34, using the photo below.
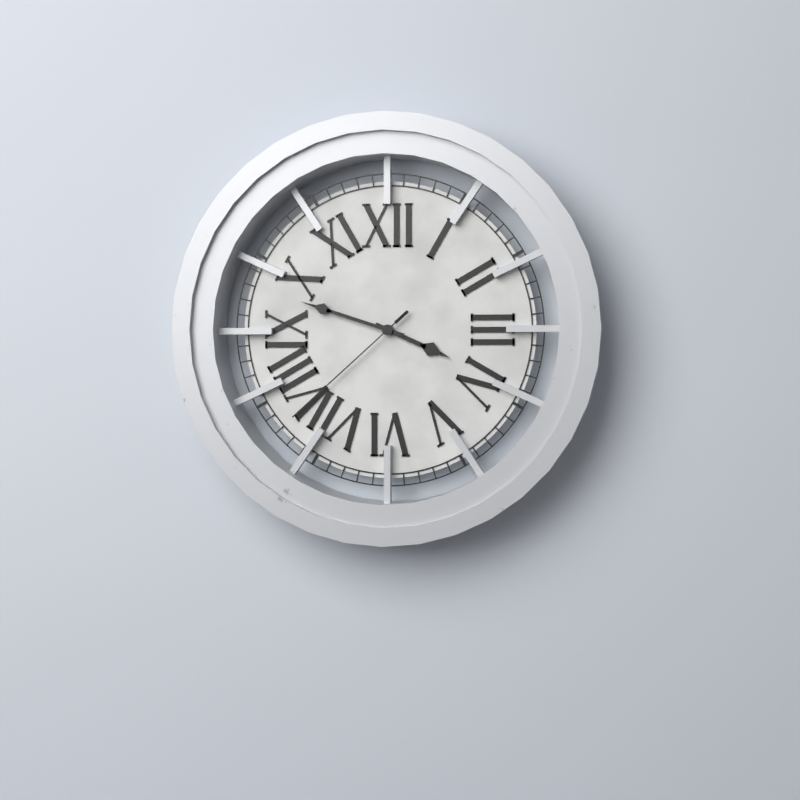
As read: 3:48:38
